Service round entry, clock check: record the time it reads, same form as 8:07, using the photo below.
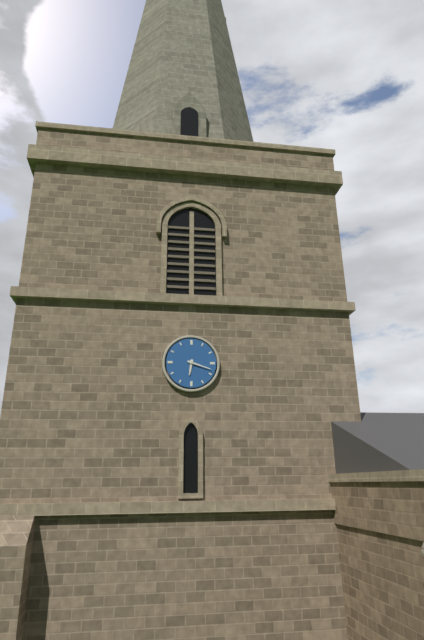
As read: 6:18
